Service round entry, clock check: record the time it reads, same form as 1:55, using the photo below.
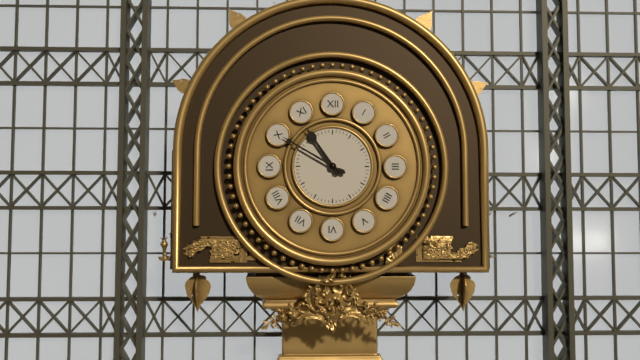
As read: 10:50
